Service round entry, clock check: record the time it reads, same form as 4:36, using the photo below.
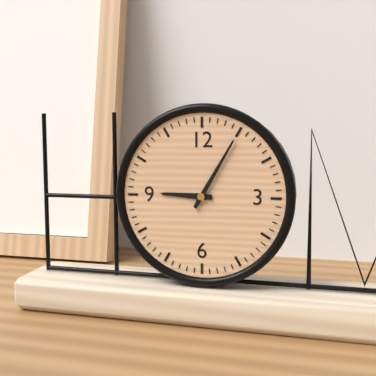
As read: 9:05
